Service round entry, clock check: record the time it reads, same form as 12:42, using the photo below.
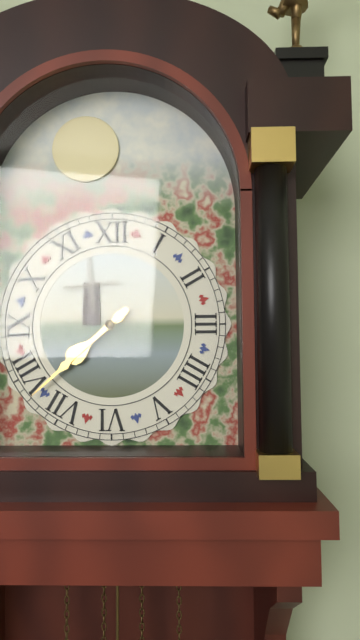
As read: 7:38
